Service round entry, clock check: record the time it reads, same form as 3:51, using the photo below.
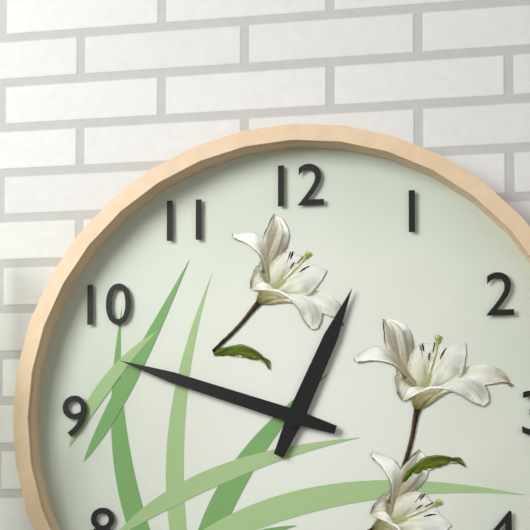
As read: 12:48
